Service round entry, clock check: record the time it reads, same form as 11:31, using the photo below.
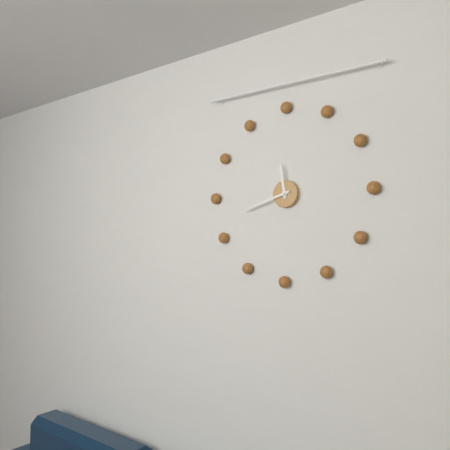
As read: 11:42
